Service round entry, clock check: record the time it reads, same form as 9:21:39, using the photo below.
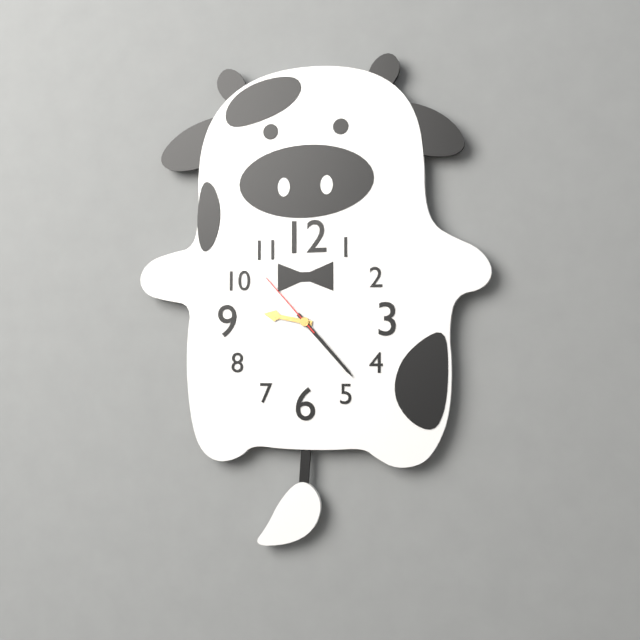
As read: 9:23:53
